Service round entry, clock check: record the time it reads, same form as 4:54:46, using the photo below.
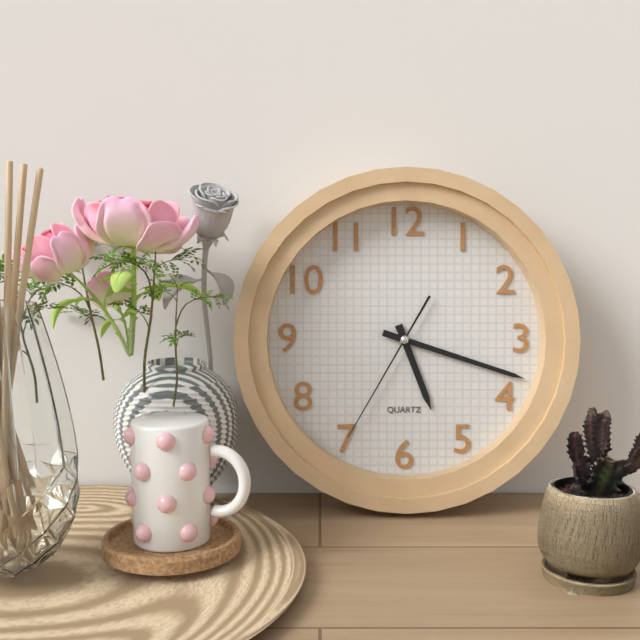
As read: 5:18:35
